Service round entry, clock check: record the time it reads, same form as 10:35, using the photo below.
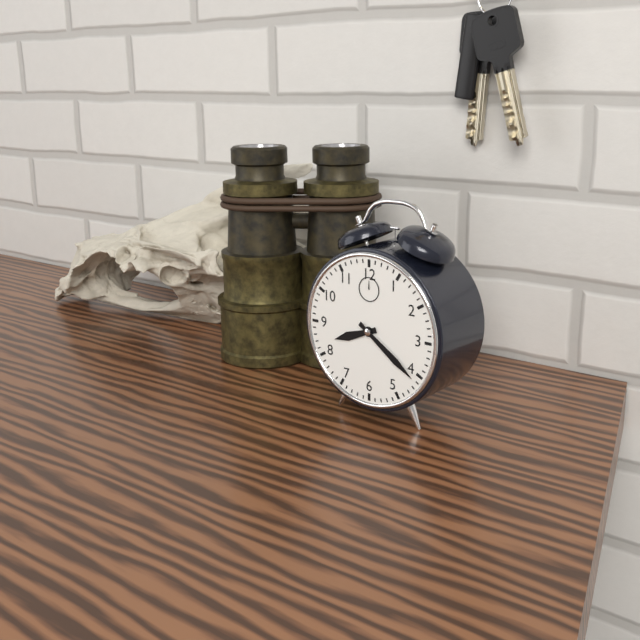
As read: 8:21
